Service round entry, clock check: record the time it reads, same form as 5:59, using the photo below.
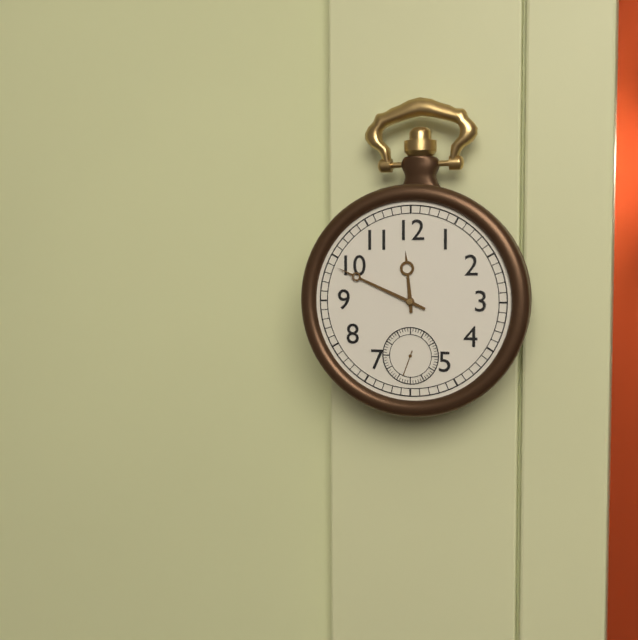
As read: 11:49
